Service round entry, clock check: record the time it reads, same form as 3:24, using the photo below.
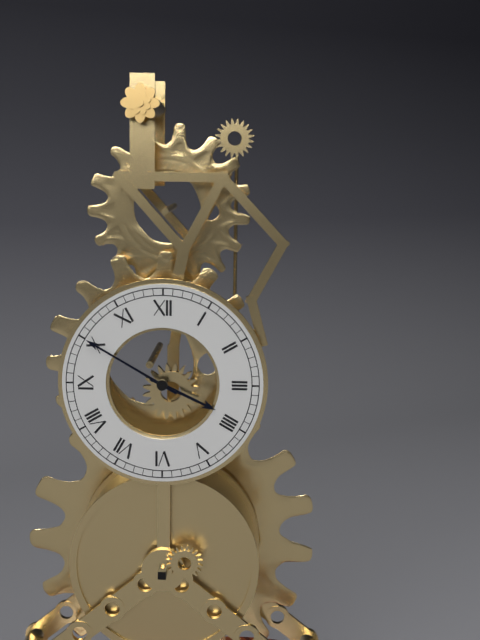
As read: 3:50
